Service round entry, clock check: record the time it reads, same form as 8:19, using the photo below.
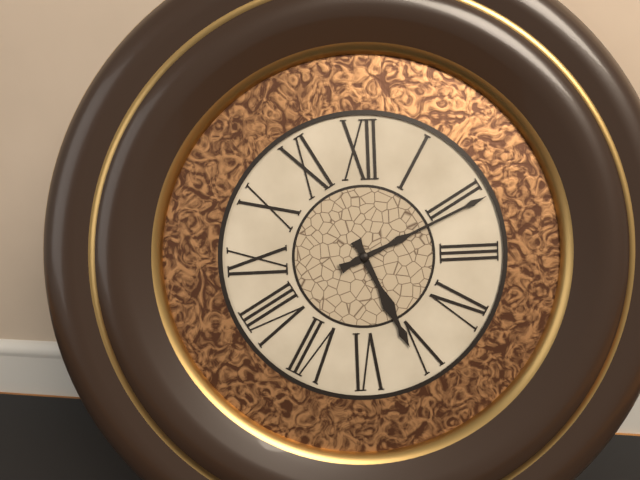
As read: 5:11
